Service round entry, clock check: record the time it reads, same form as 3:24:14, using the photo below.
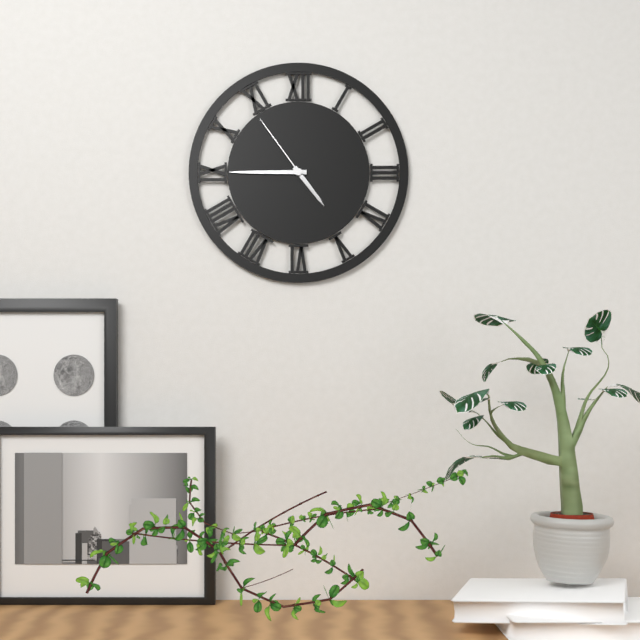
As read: 4:45:54
